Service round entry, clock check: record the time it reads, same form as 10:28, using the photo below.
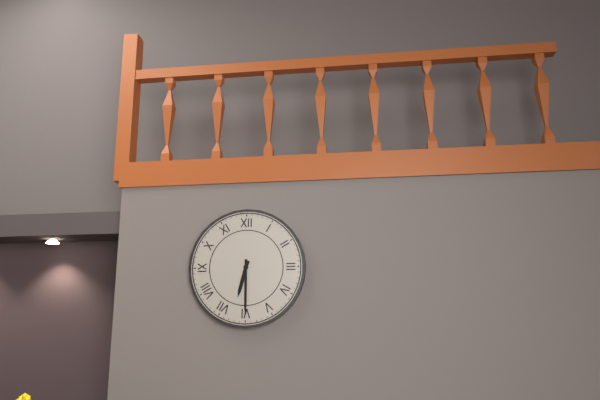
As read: 6:30
